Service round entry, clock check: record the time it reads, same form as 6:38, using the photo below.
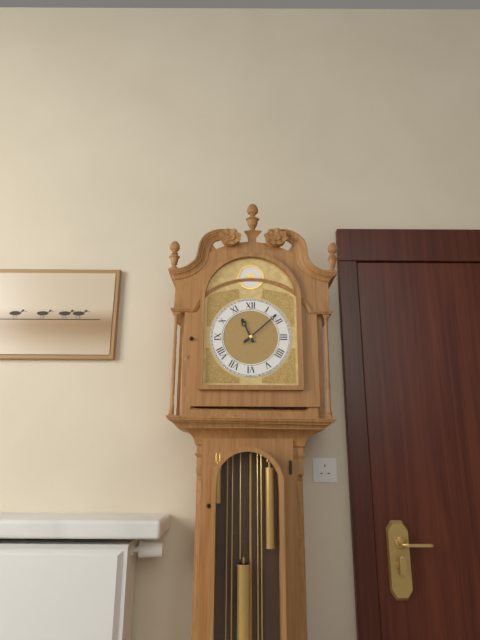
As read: 11:08
